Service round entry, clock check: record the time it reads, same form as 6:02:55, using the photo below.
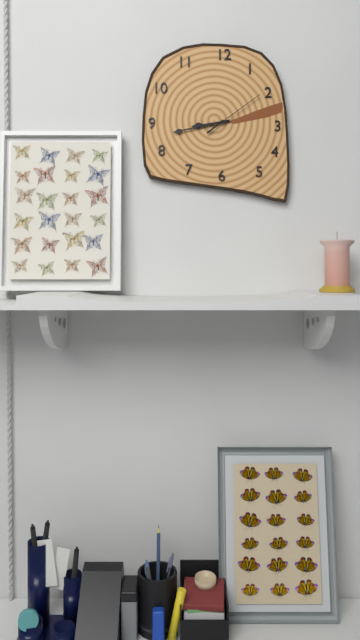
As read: 8:43:09
